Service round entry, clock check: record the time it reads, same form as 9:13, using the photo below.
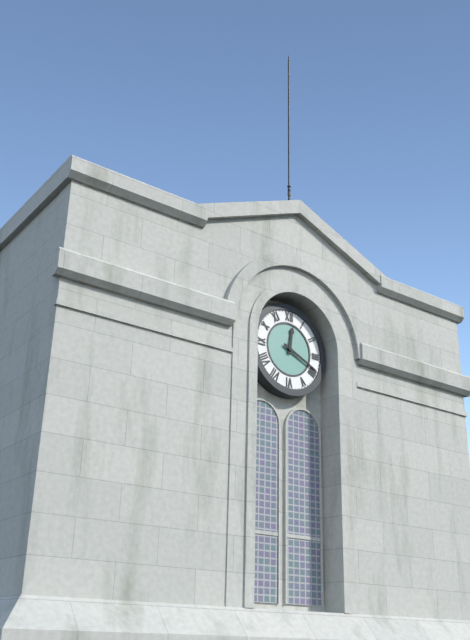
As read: 12:19
